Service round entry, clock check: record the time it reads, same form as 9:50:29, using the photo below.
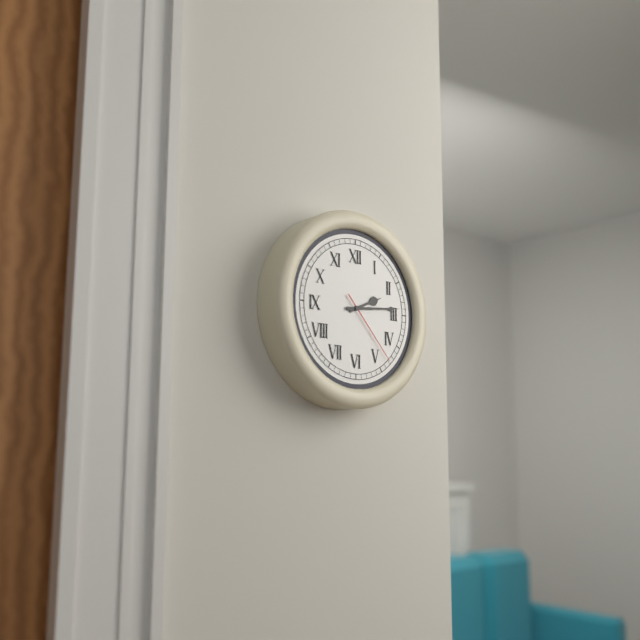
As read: 2:14:23
